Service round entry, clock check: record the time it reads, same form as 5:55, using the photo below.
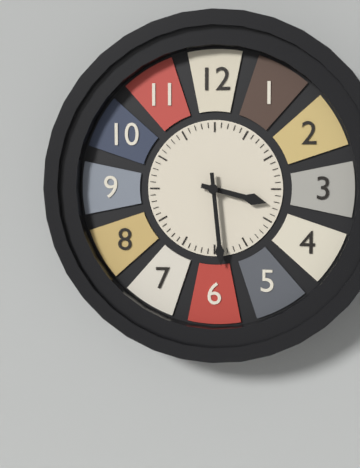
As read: 3:29
